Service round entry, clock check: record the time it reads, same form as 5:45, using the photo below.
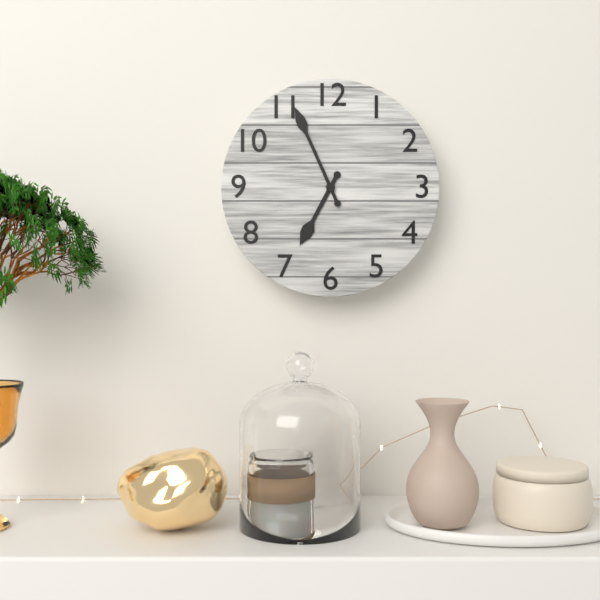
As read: 6:56
